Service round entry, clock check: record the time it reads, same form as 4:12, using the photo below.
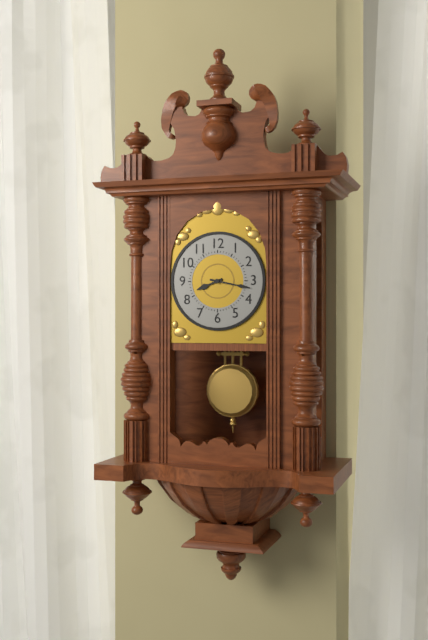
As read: 8:17
